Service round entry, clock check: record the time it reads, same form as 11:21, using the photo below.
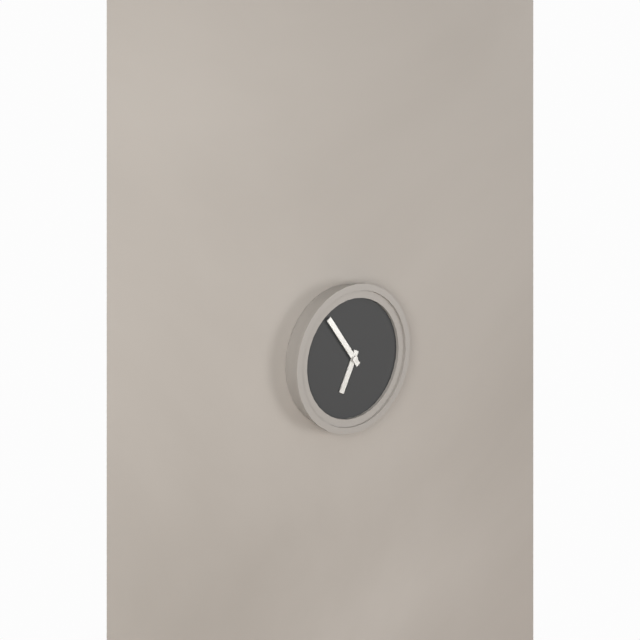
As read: 6:54
